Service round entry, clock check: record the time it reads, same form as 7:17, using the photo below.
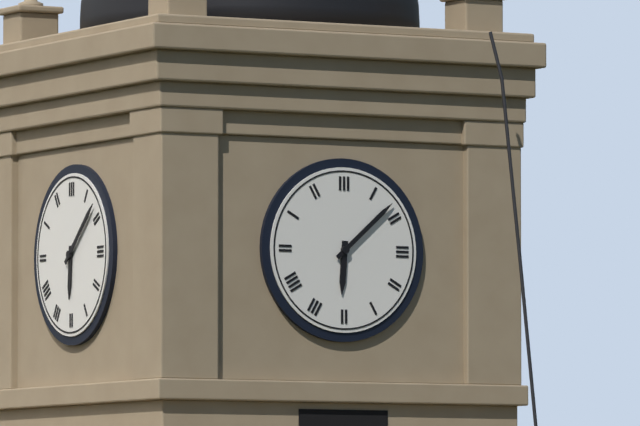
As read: 6:08
